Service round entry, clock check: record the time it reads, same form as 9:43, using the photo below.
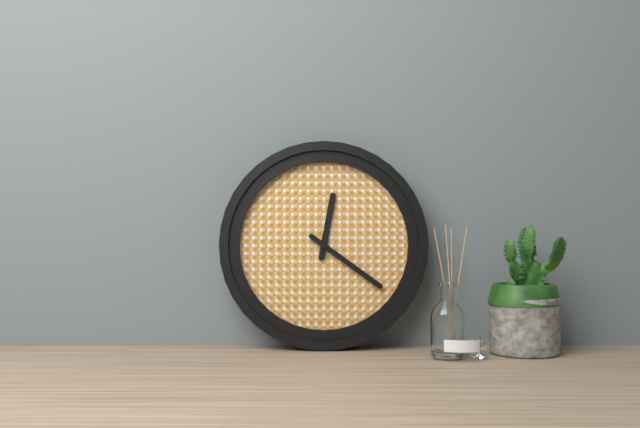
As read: 12:21
